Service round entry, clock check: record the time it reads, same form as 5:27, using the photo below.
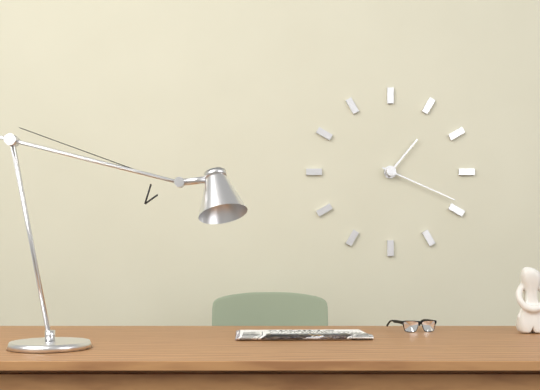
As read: 1:19
